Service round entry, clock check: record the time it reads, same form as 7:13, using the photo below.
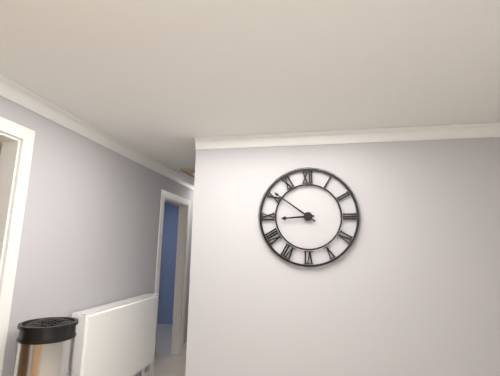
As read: 8:51
